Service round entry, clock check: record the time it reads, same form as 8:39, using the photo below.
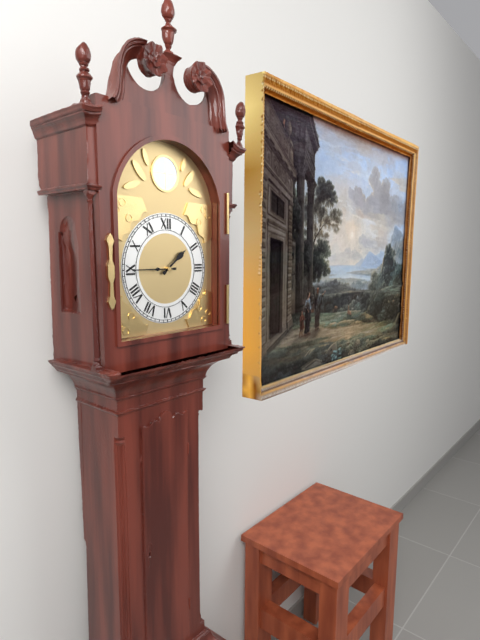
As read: 1:45
